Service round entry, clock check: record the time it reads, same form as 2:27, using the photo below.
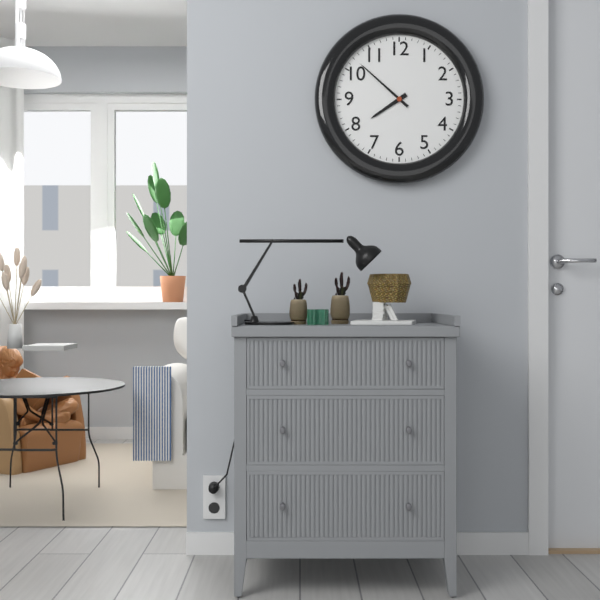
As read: 7:52
